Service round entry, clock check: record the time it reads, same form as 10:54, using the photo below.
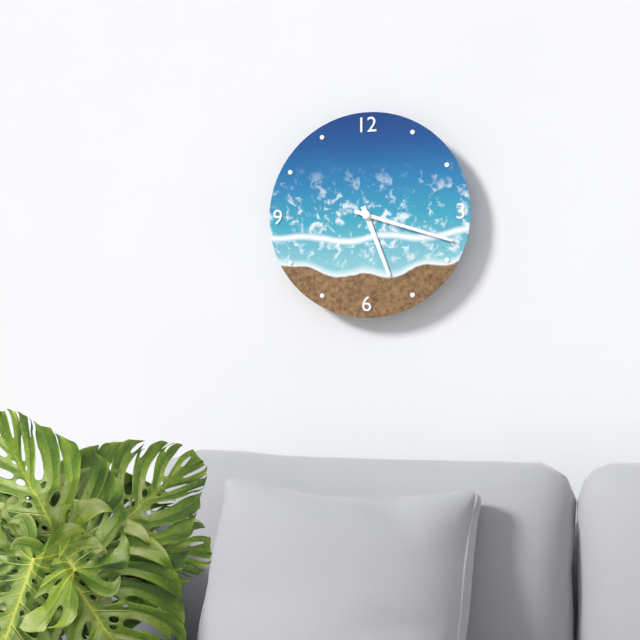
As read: 5:18
